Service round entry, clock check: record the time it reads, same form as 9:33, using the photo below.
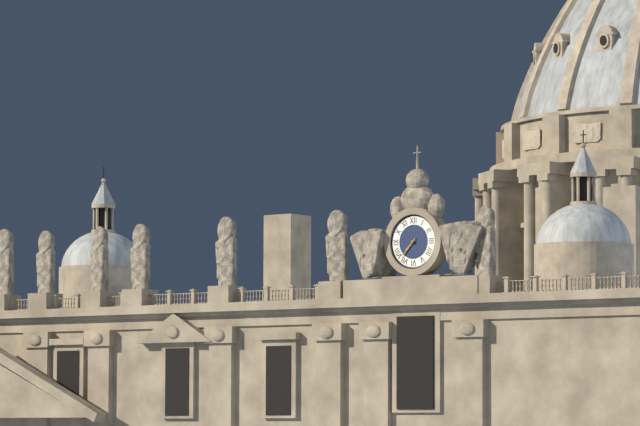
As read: 7:37
